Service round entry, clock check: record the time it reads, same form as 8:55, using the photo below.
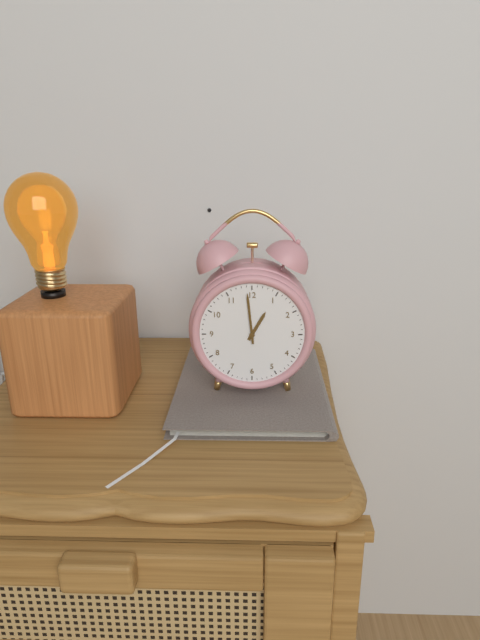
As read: 12:59
